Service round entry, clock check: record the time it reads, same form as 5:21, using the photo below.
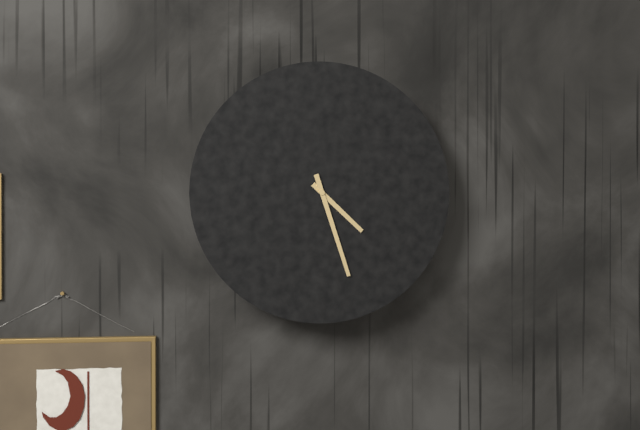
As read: 4:27
